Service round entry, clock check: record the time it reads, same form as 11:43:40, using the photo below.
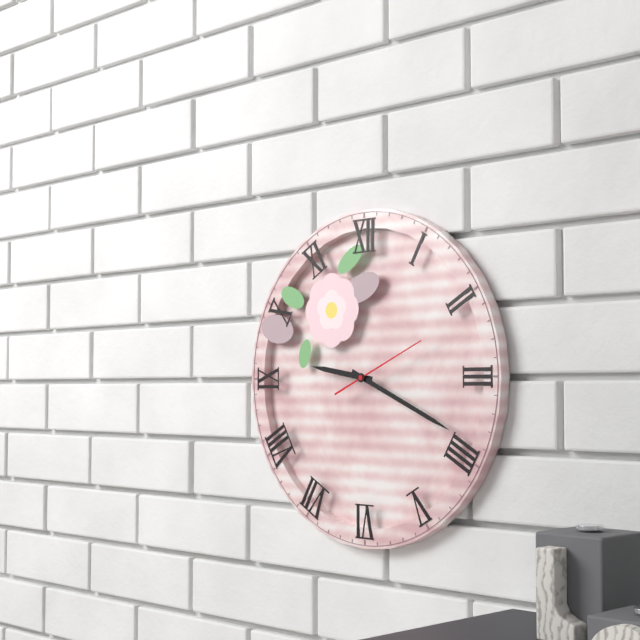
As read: 9:19:11
